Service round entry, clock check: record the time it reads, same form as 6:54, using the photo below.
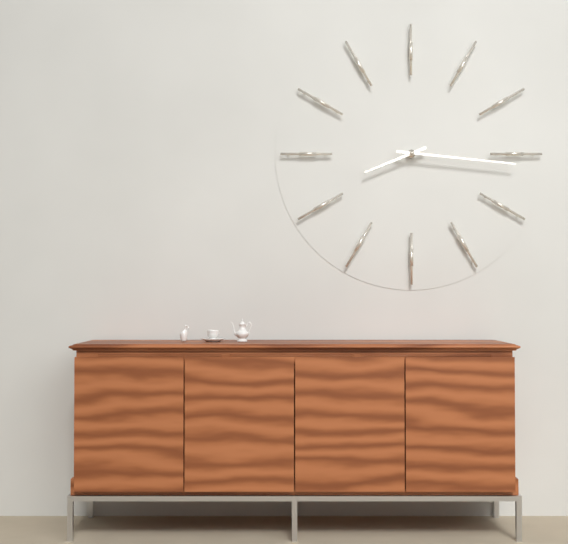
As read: 8:16
